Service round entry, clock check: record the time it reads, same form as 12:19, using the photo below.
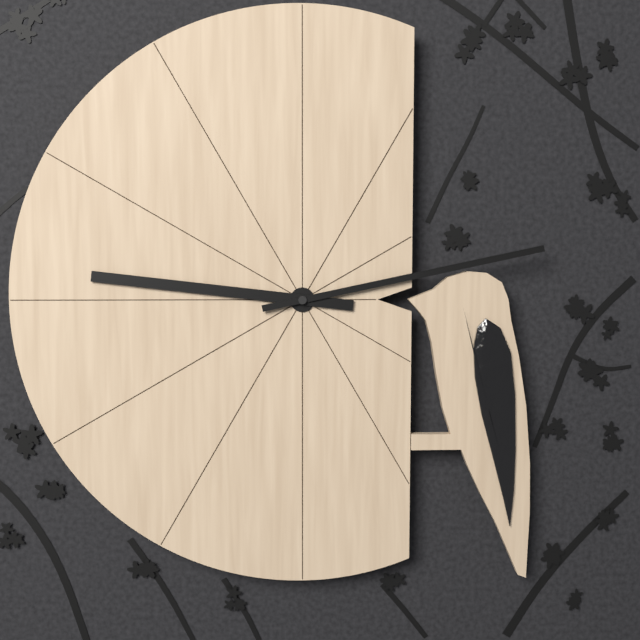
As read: 9:13
